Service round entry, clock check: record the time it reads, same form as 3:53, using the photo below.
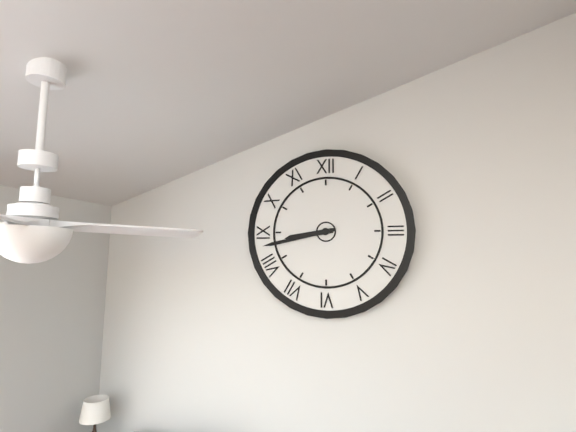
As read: 8:43
